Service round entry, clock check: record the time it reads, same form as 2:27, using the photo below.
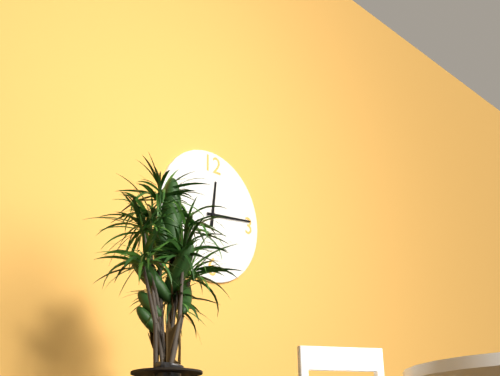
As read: 12:14
